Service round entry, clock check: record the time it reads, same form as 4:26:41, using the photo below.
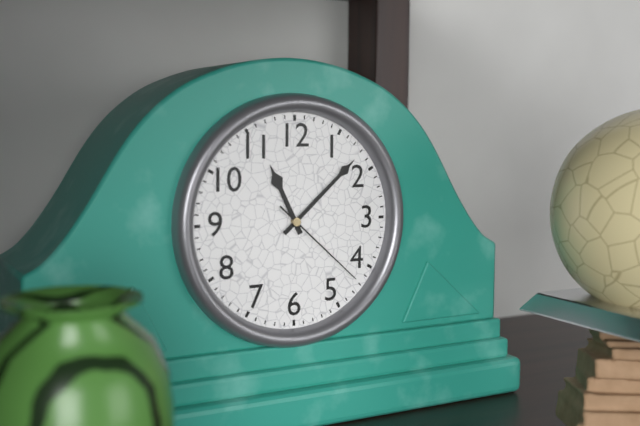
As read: 11:08:22
